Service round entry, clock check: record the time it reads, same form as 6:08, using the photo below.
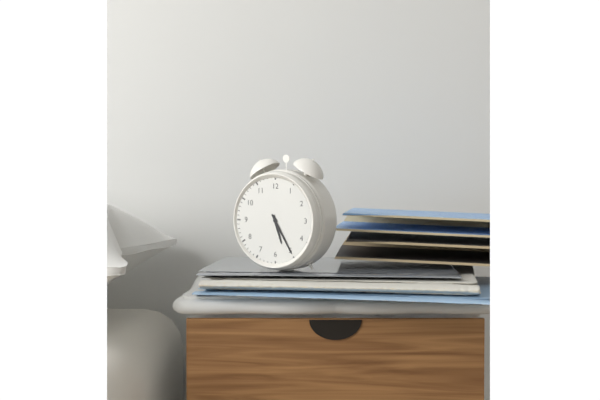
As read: 5:25
